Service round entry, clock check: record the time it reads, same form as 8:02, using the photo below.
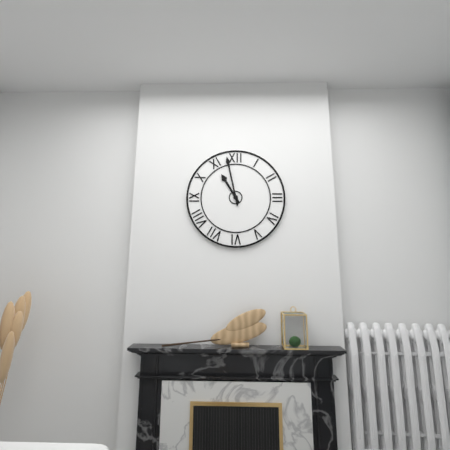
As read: 10:58
